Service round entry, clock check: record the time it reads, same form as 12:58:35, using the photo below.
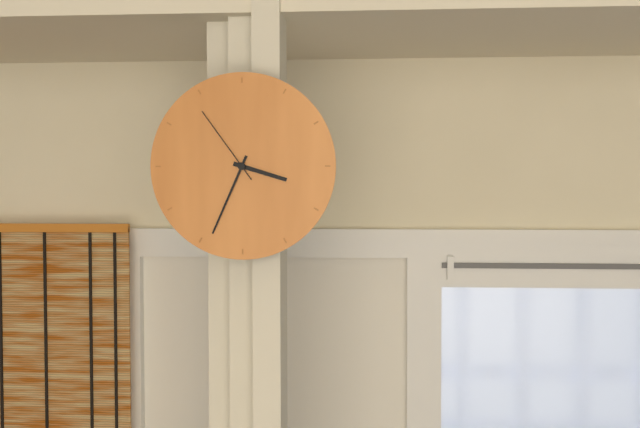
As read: 3:34:54
